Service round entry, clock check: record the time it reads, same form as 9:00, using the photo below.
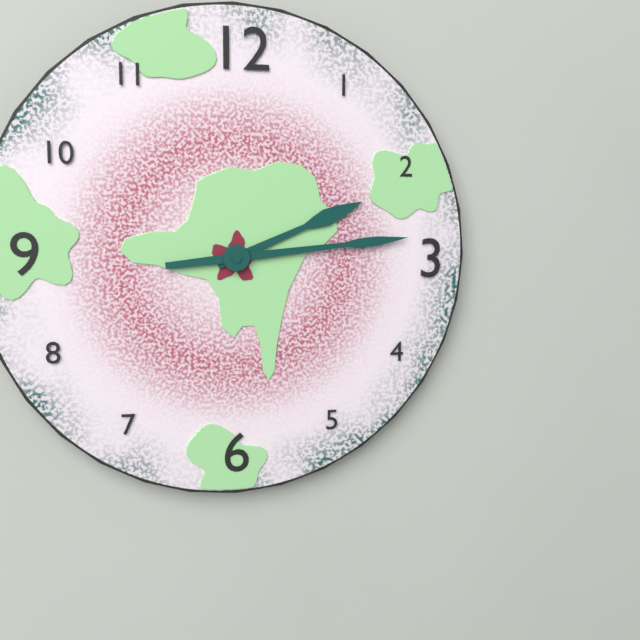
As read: 2:14
